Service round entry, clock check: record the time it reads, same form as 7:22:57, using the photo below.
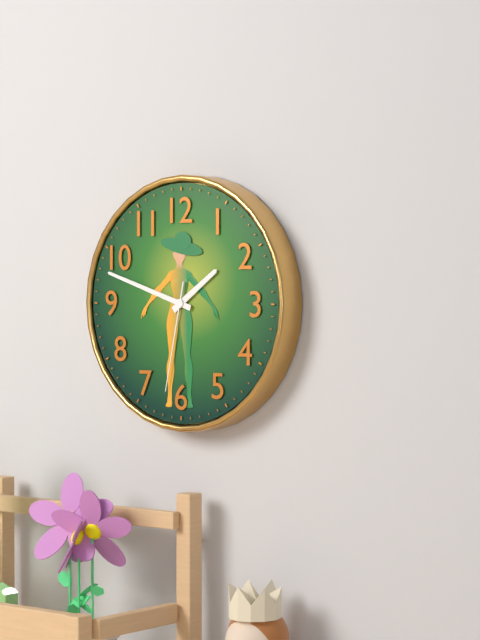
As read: 1:48:32
